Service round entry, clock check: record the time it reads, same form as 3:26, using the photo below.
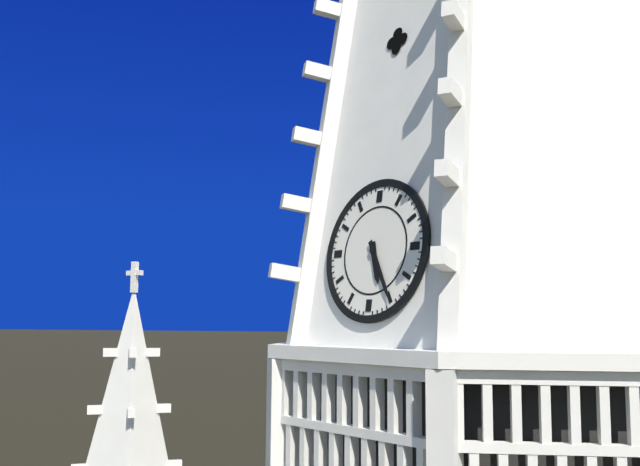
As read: 5:25
